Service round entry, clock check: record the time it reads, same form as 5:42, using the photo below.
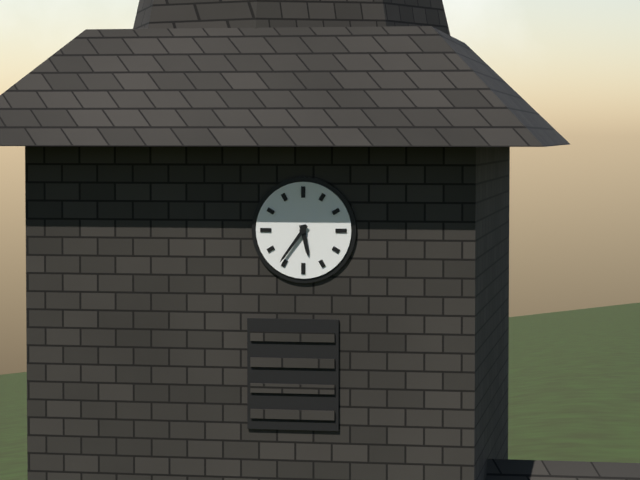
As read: 5:36
